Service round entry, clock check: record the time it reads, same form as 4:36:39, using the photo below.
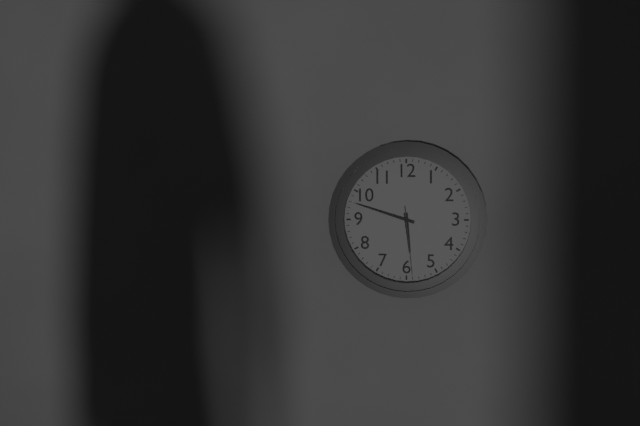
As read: 5:48:29
